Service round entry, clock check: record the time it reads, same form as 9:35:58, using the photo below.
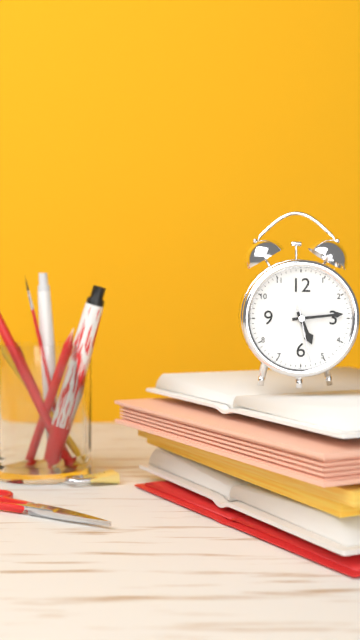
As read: 5:14:28
